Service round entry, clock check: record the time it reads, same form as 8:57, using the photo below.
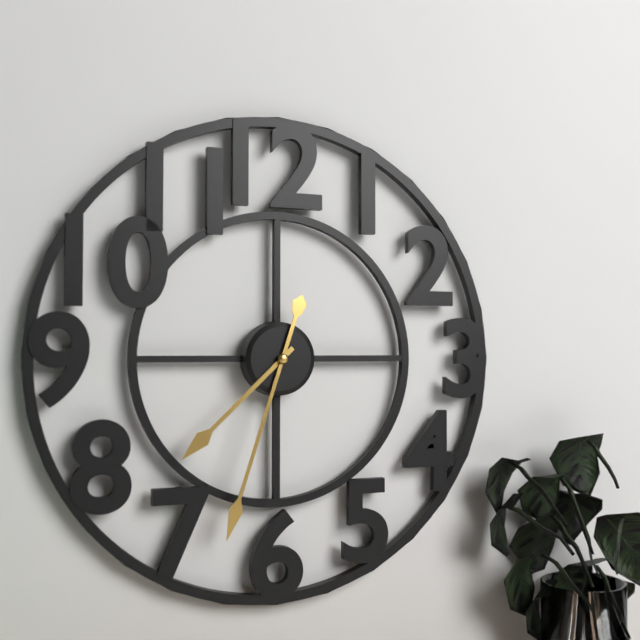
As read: 7:33
